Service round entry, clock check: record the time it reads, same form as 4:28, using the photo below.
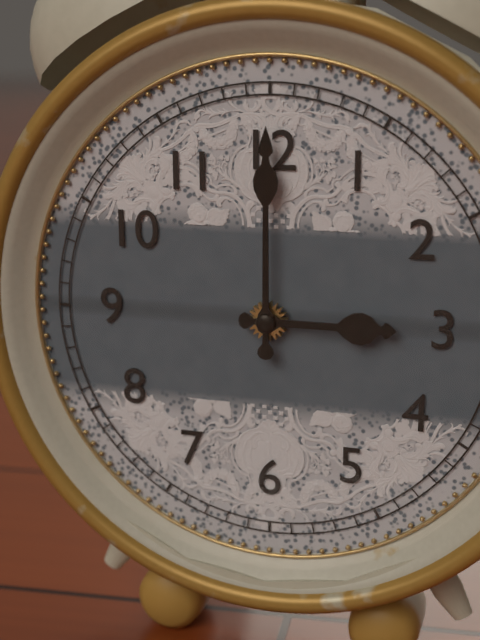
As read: 3:00
